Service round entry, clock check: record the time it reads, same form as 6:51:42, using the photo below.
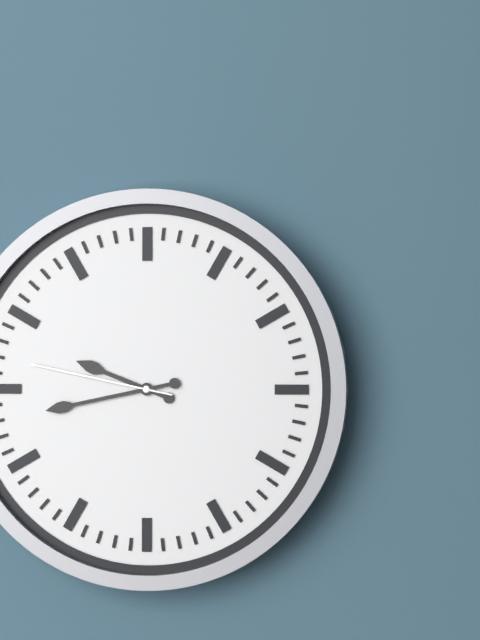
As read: 9:43:47
